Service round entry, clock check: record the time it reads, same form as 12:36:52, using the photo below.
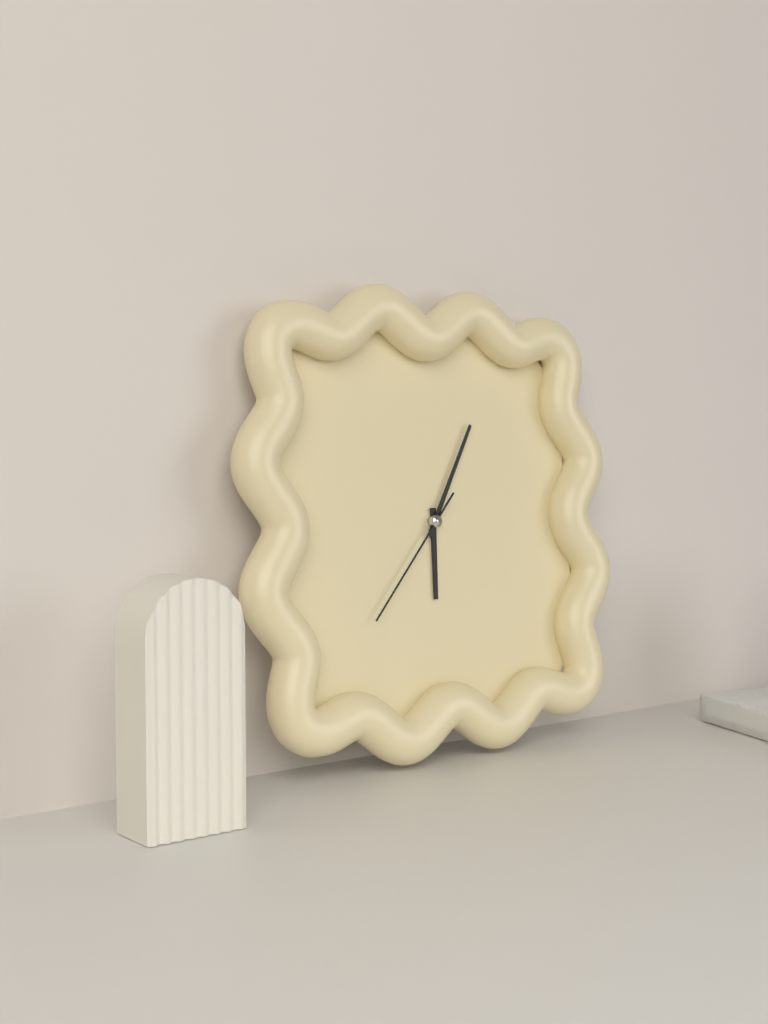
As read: 6:05:37
